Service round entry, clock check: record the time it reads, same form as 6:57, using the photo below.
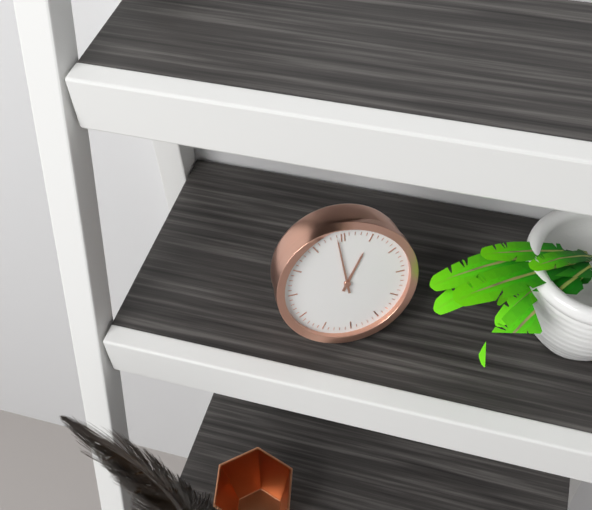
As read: 12:59
